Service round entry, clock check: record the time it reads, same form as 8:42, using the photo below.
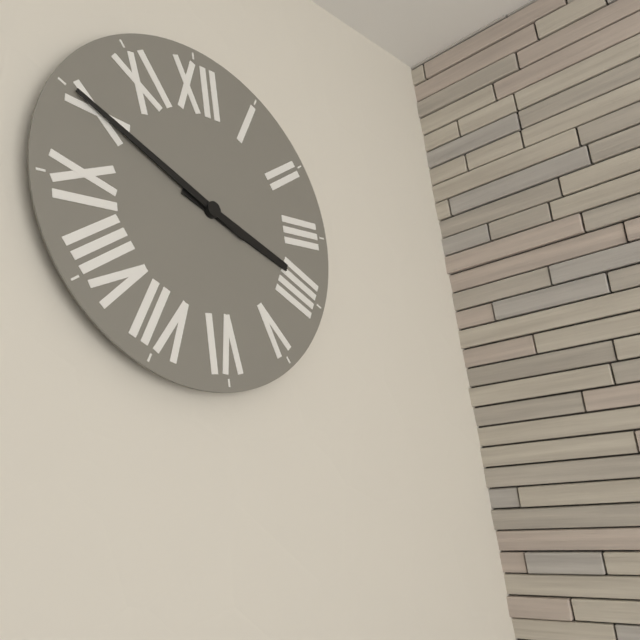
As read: 3:50
